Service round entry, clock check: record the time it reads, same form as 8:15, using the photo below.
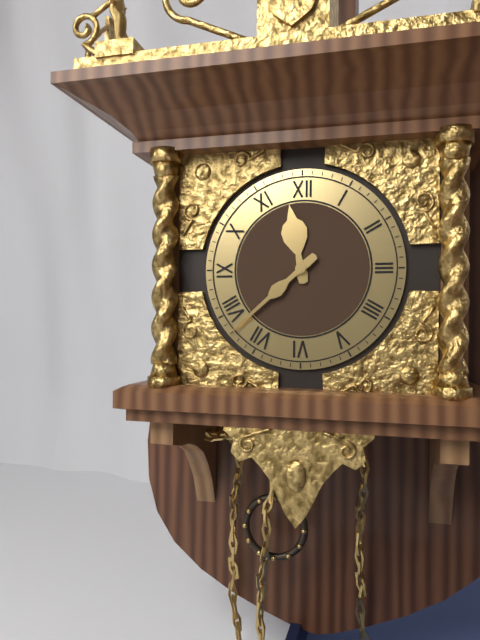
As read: 11:38
